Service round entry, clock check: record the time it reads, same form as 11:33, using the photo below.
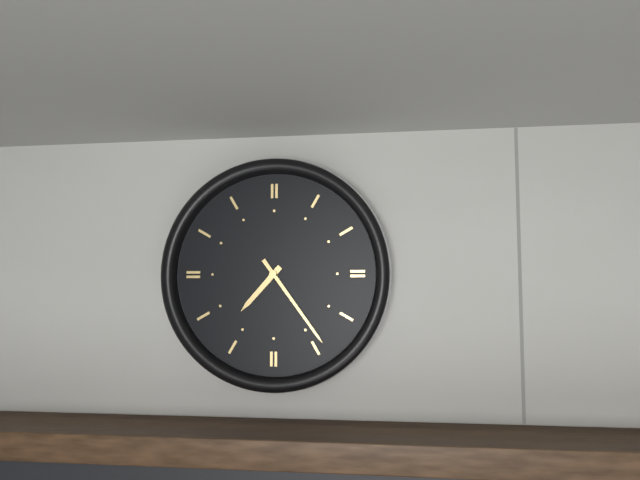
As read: 7:24
